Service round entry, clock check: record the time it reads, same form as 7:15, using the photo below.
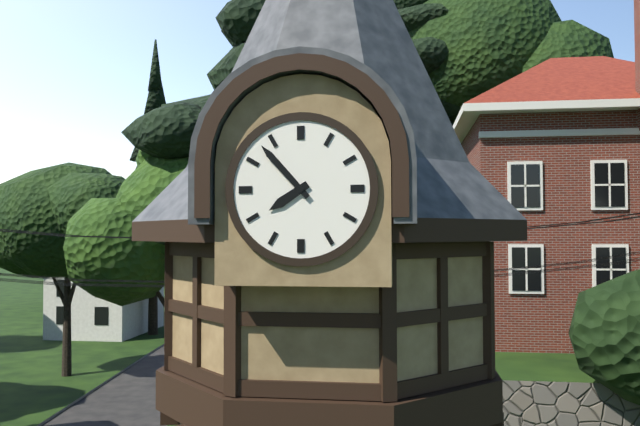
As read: 7:53
